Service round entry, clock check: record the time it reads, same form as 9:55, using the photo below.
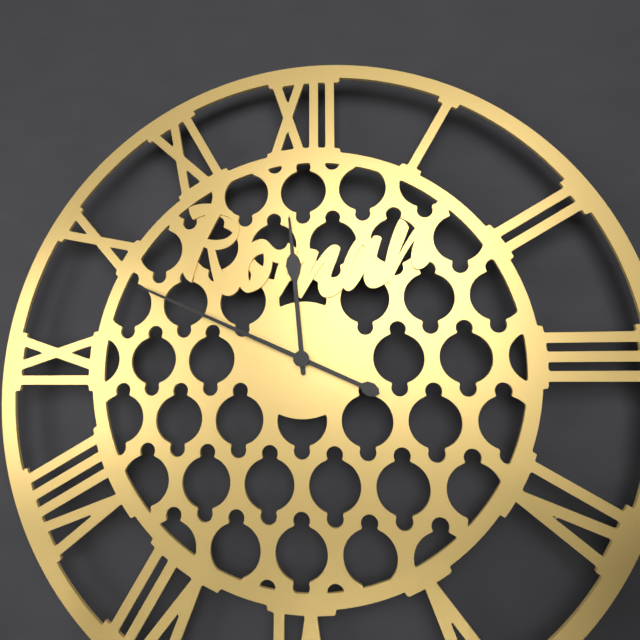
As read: 11:49
